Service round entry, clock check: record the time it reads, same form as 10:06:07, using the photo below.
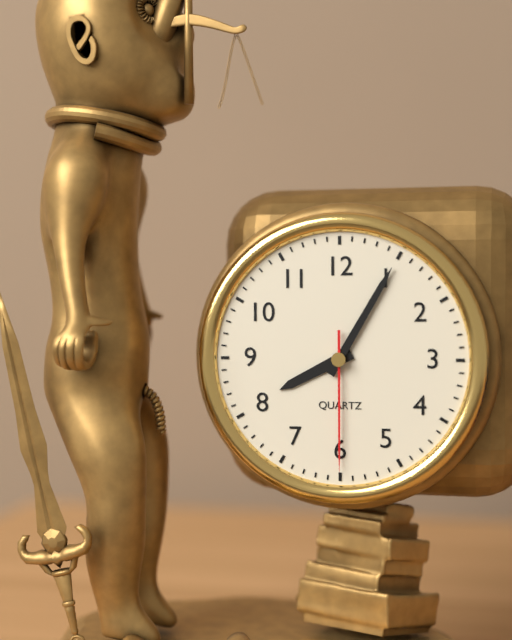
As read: 8:05:30
